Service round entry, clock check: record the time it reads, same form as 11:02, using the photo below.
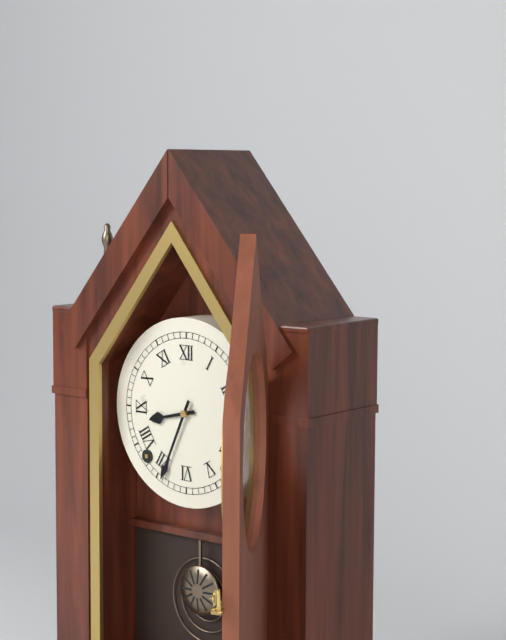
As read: 8:34
